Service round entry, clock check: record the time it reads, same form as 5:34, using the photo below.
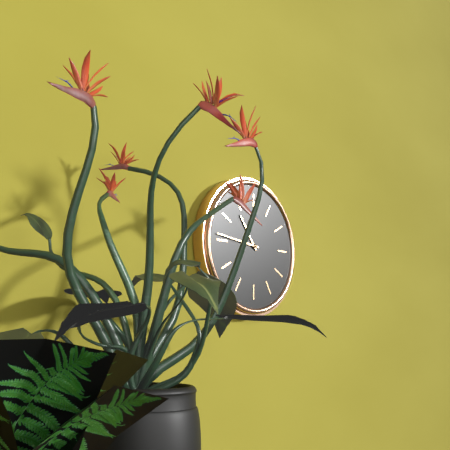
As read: 10:46
